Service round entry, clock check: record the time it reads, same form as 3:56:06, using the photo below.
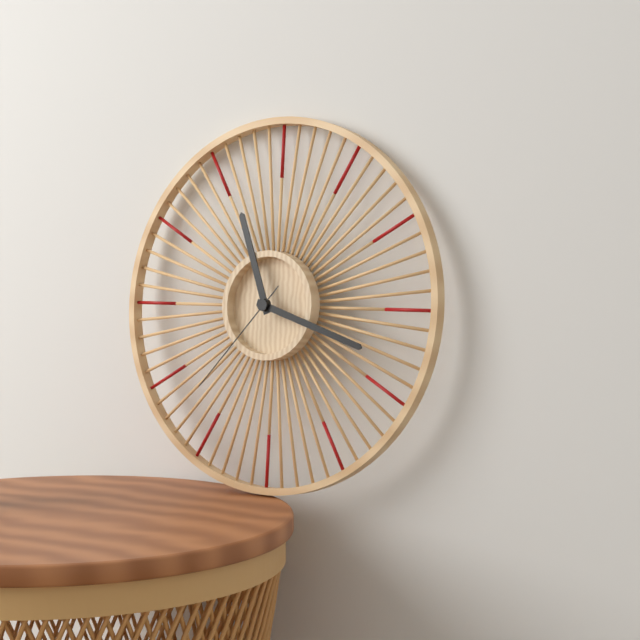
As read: 11:18:37
